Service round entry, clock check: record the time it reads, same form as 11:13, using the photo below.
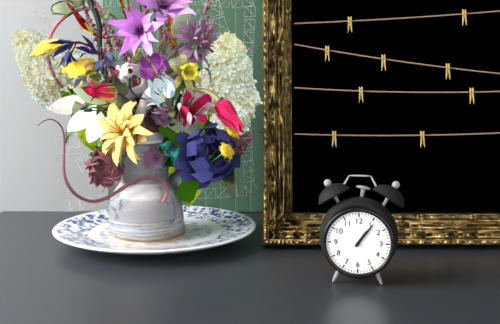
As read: 1:06
